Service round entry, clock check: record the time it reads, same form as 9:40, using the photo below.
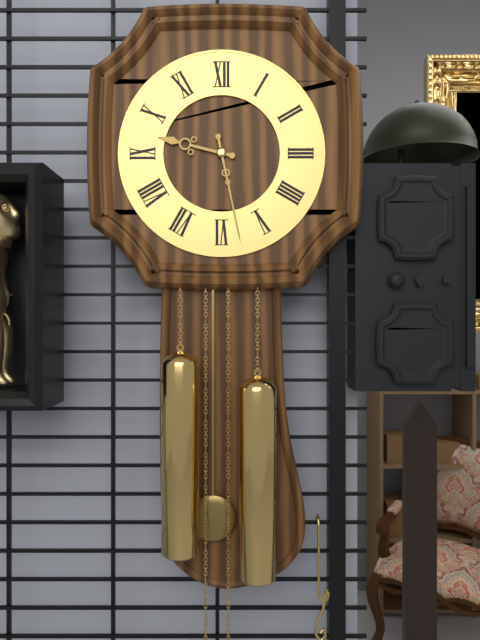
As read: 9:28
